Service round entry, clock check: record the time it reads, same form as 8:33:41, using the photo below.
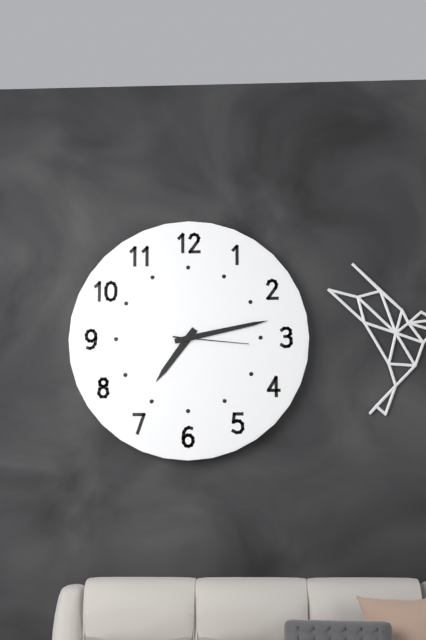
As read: 7:13:16
